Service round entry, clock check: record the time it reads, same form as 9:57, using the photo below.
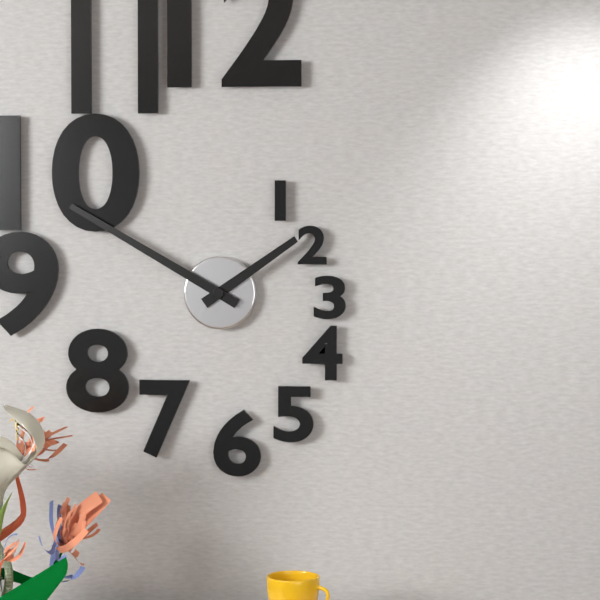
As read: 1:50
